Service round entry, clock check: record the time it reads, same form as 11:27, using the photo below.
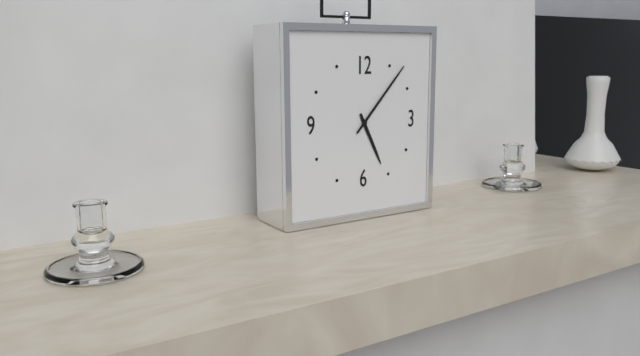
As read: 5:07
